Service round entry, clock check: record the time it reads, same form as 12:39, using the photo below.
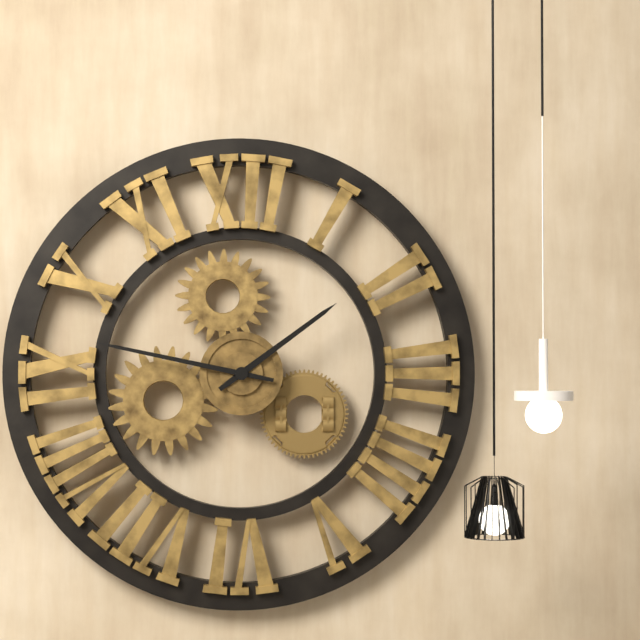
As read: 1:47
